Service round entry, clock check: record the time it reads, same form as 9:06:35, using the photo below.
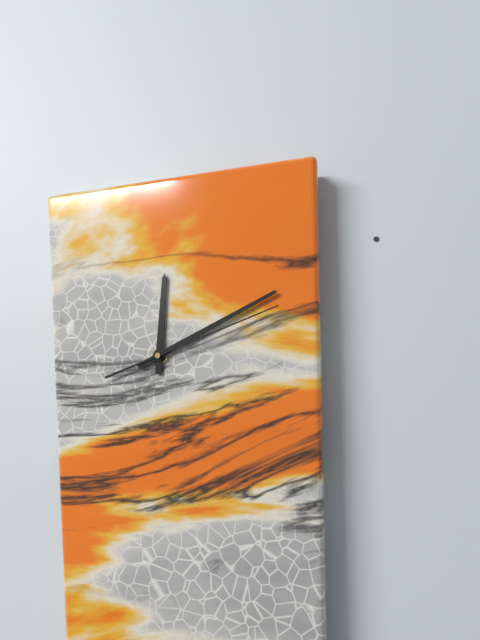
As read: 12:11:12
